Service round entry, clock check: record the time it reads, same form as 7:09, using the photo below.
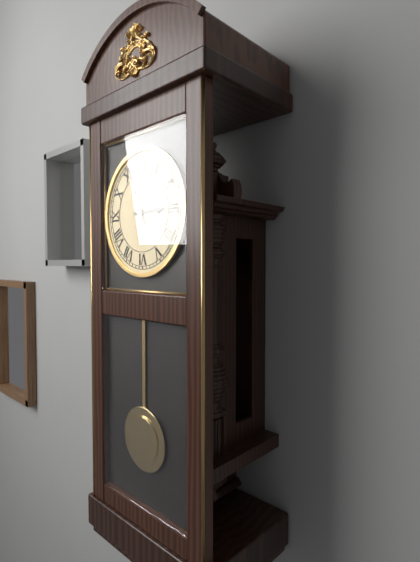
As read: 2:56
